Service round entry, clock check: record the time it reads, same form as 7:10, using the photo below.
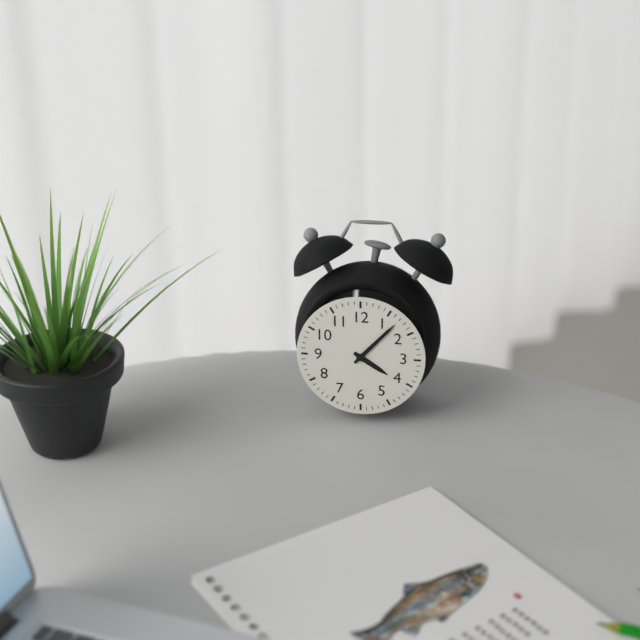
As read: 4:07
